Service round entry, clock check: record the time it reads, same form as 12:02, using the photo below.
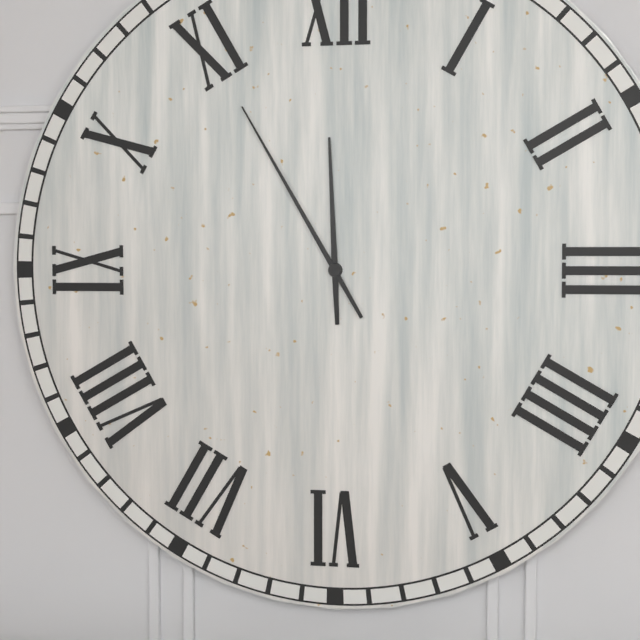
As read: 11:55
